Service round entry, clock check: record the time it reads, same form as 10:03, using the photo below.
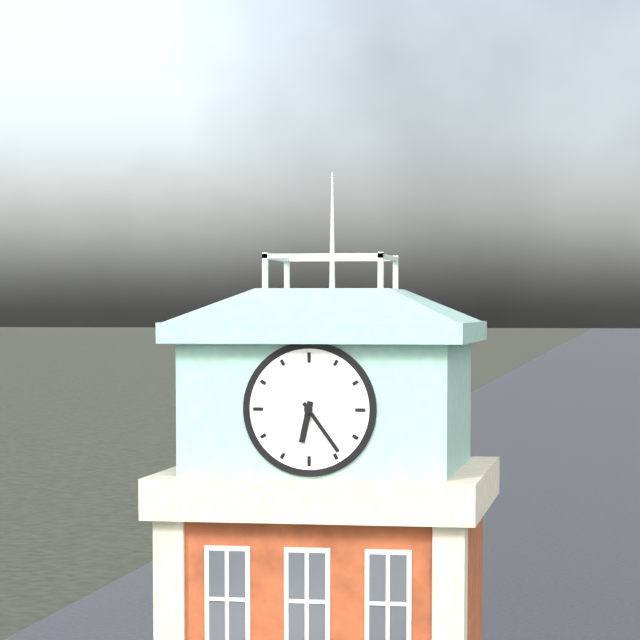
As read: 6:24
